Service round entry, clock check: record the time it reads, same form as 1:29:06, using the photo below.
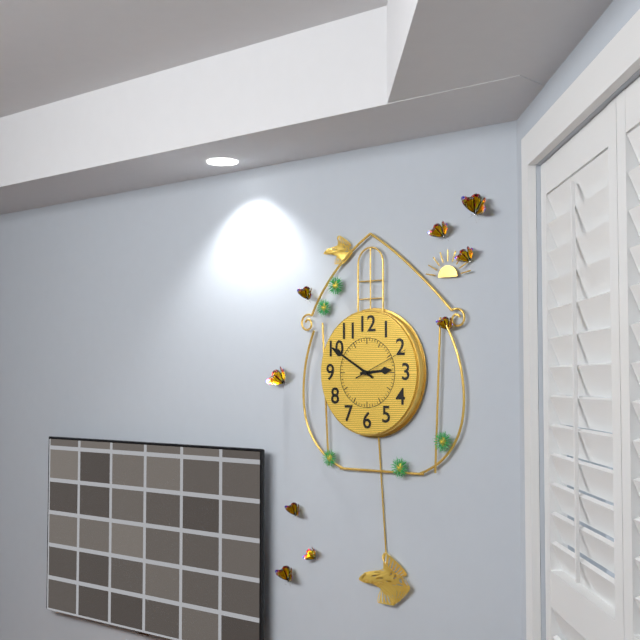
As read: 2:50:11
